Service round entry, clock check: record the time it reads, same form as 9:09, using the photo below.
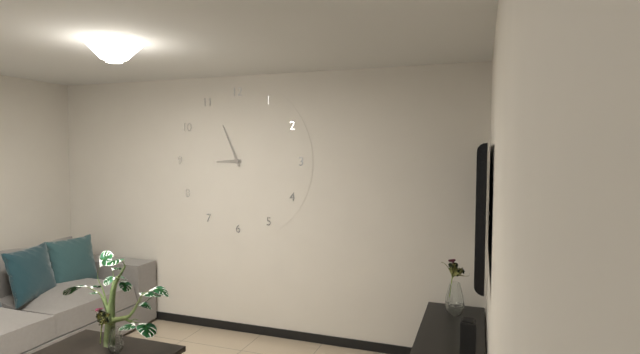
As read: 8:56
